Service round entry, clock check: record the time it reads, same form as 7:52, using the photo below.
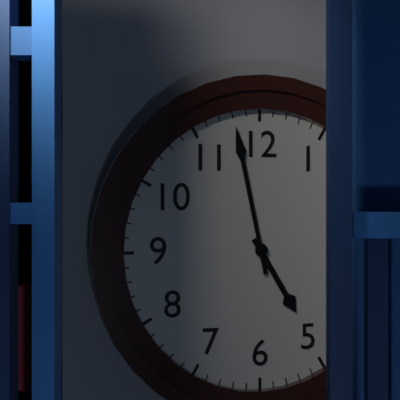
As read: 4:58
